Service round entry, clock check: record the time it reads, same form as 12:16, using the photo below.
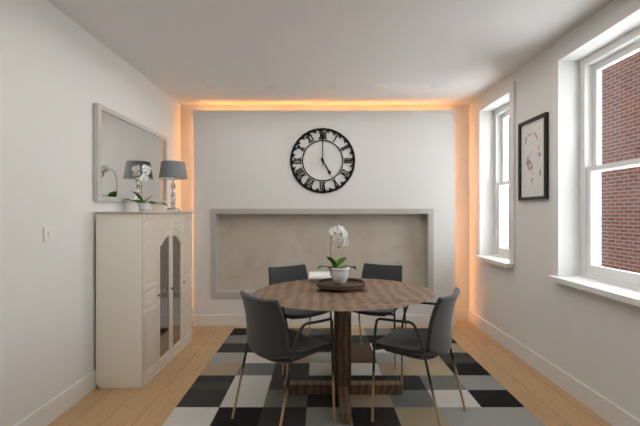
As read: 5:00
